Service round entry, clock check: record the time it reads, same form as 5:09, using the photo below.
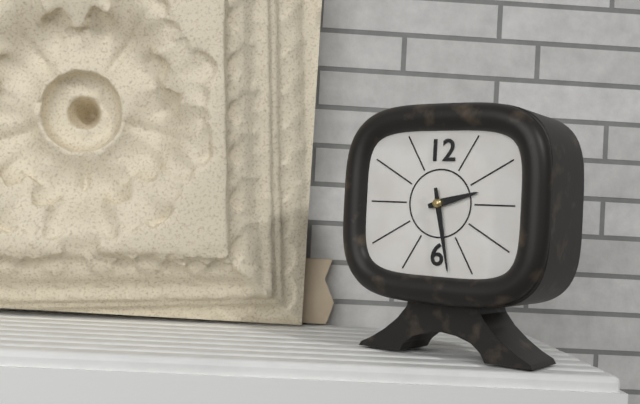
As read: 2:28
